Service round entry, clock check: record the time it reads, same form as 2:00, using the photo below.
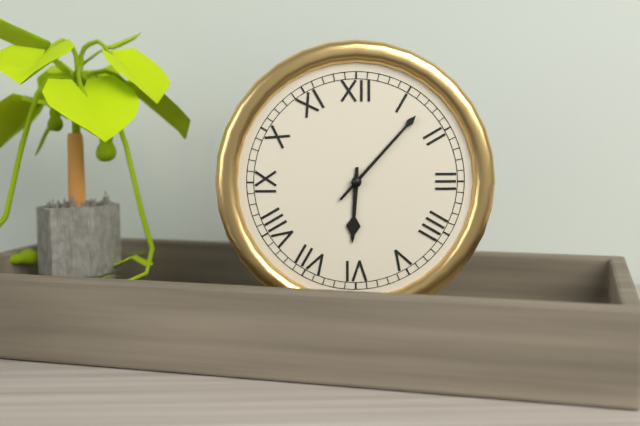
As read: 6:07
